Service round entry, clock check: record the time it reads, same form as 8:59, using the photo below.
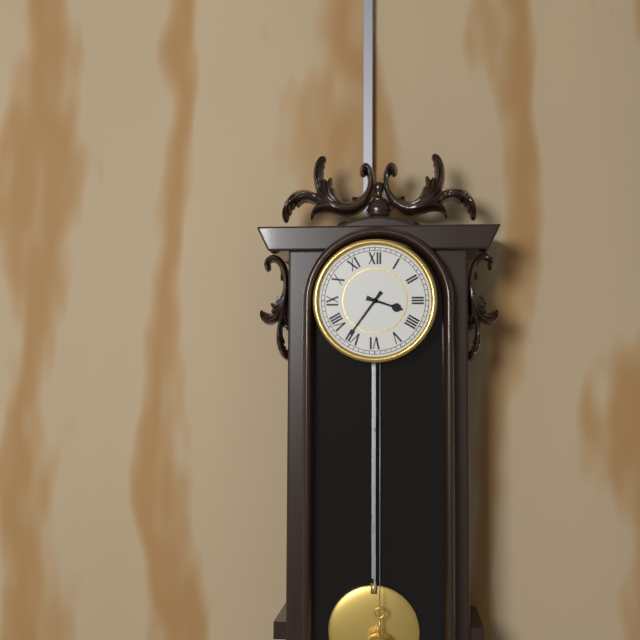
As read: 3:36
